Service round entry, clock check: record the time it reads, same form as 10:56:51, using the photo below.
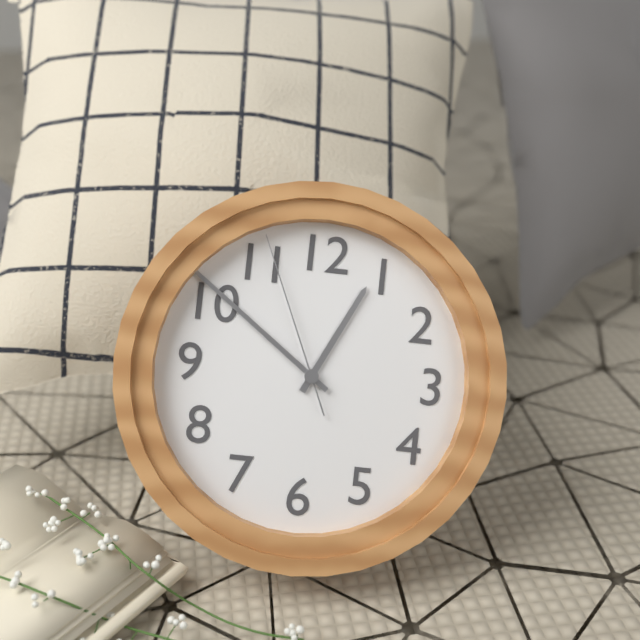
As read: 12:51:56
